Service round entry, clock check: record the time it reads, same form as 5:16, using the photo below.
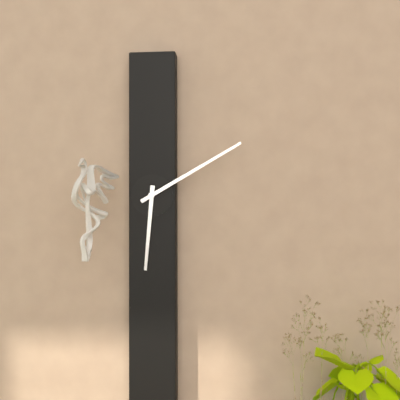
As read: 6:10
